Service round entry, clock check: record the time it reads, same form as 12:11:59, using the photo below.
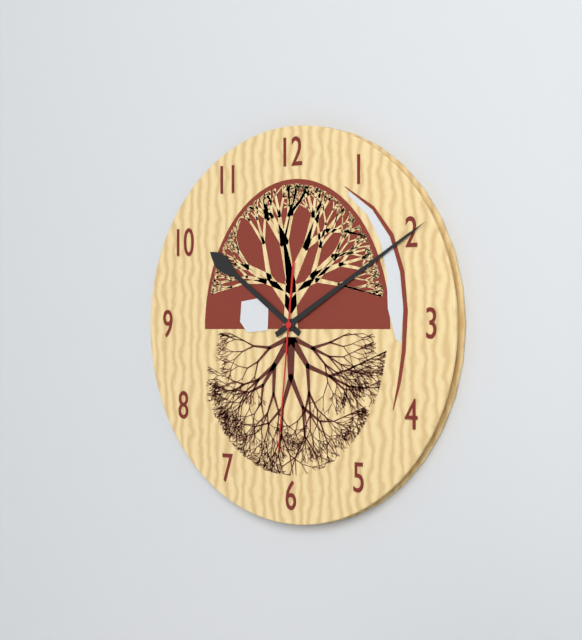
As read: 10:10:31
